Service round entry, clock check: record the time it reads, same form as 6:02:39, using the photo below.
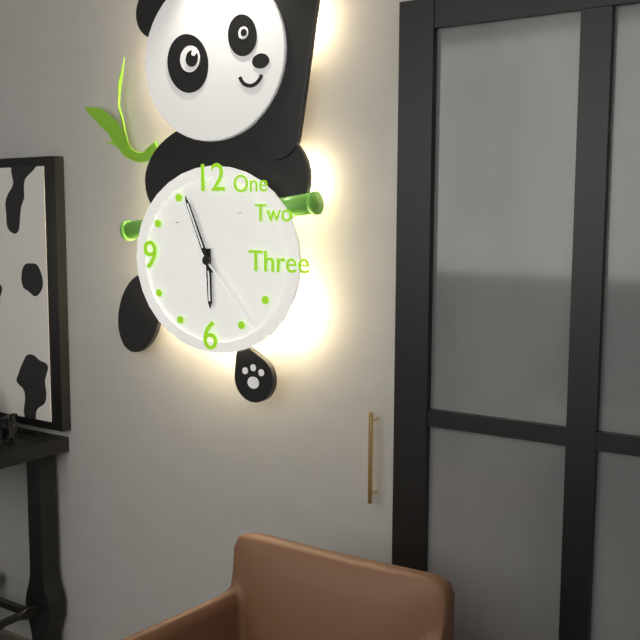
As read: 5:56:23
